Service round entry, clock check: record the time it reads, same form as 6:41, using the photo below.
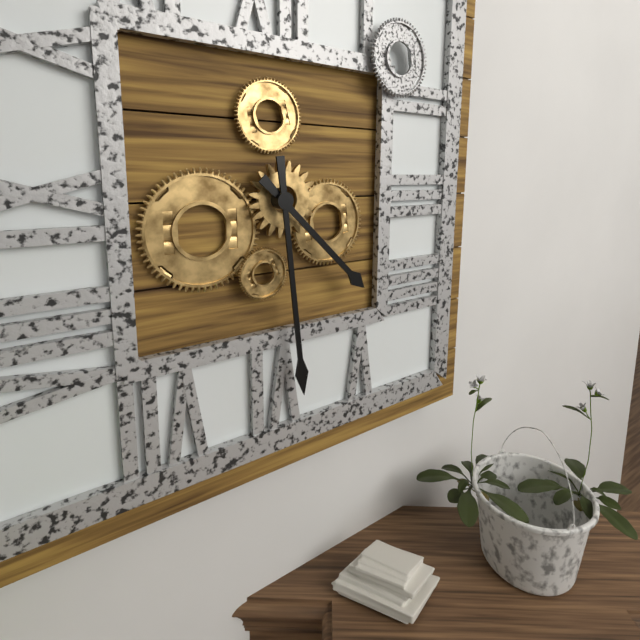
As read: 4:29
